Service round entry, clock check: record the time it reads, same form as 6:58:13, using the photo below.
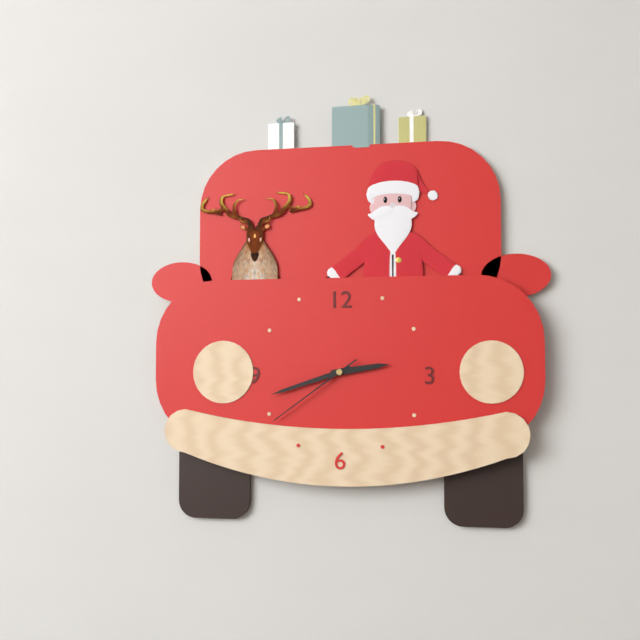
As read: 2:42:39
